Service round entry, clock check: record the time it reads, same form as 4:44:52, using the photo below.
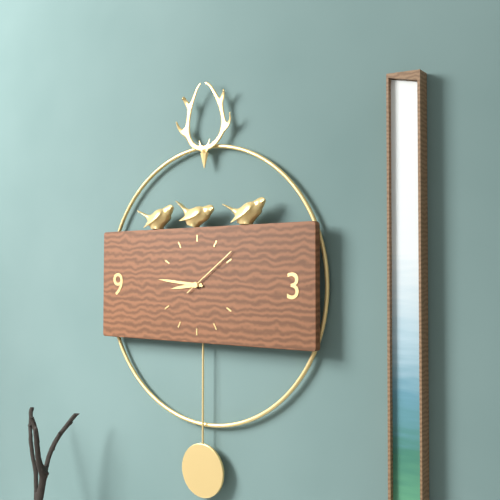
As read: 8:46:09
